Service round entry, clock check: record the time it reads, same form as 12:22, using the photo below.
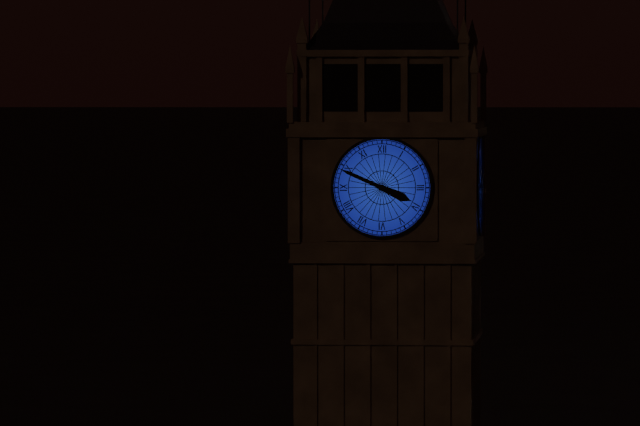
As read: 3:49
